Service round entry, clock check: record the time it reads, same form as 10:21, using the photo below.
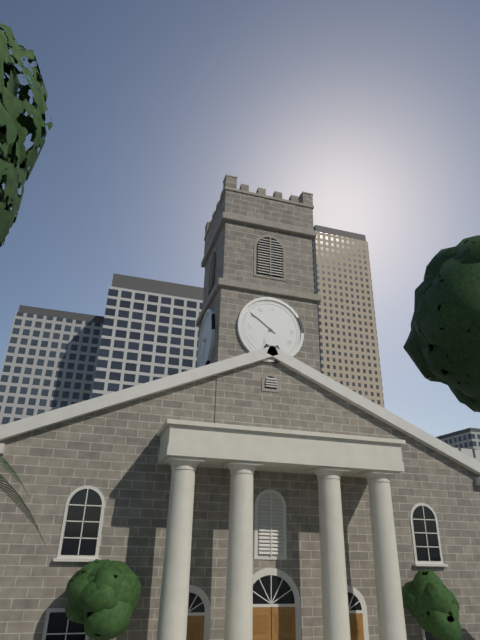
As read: 6:51
